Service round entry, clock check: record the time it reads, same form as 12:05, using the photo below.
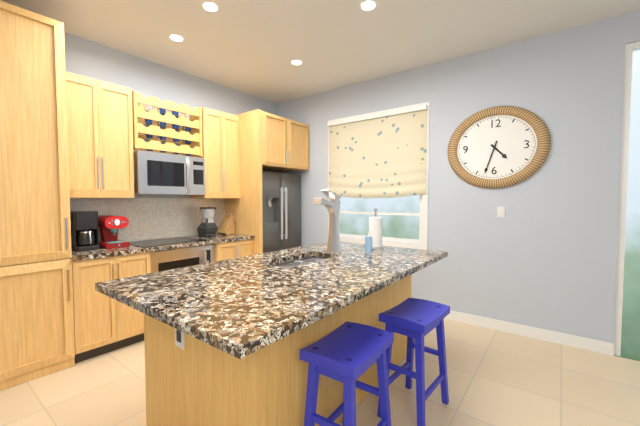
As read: 4:33
